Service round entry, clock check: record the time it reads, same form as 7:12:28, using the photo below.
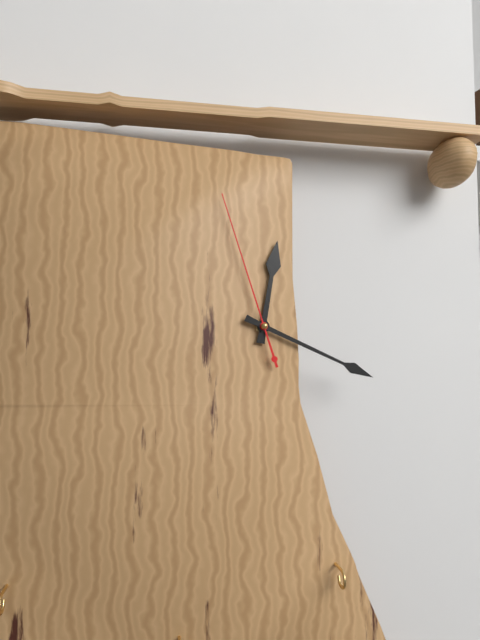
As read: 12:19:57
